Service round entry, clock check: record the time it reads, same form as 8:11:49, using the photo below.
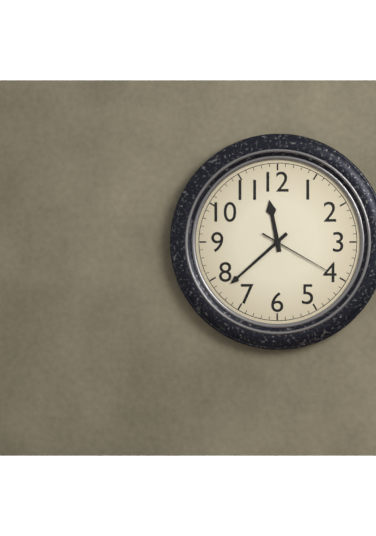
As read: 11:38:20
